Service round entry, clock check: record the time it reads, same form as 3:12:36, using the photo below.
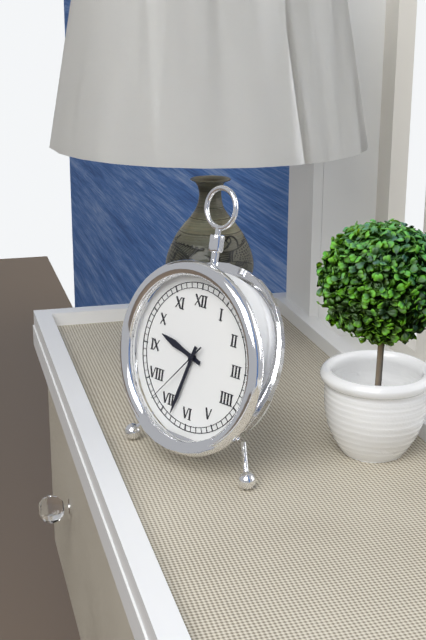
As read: 9:33:37
